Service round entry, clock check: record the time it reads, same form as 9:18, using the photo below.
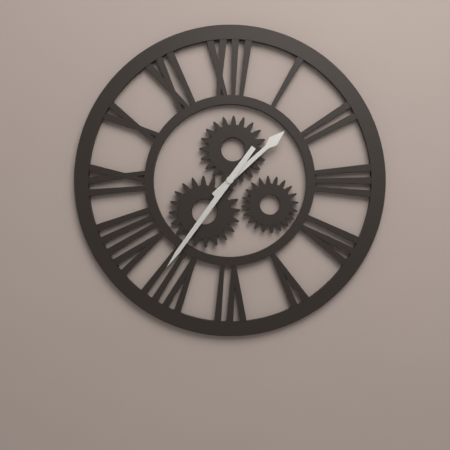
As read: 1:36
